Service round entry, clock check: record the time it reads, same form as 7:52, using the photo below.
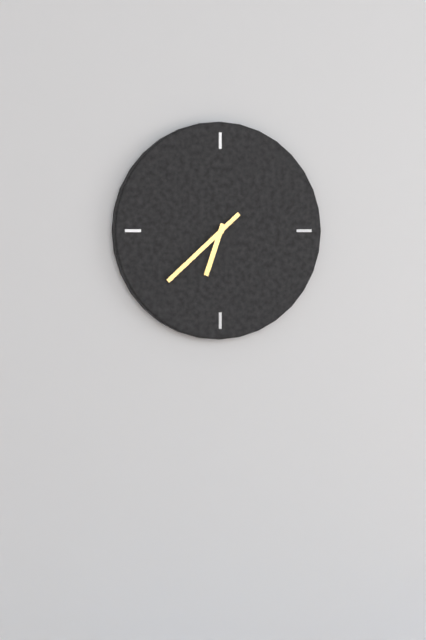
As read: 6:38
